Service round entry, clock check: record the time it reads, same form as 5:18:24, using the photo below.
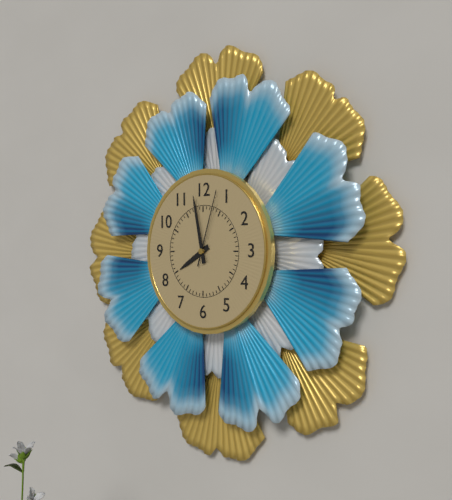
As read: 7:58:03
